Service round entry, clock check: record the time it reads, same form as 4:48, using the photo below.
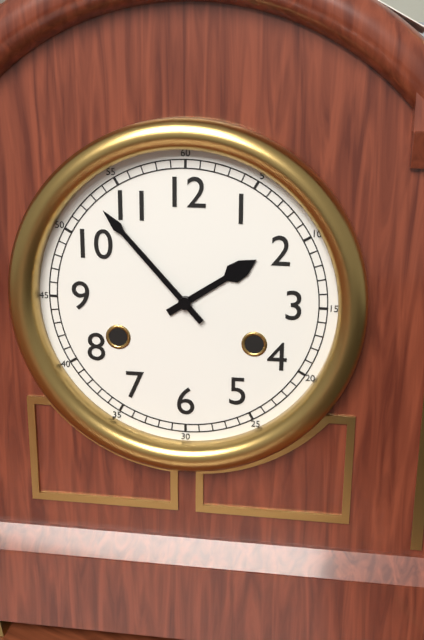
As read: 1:53
